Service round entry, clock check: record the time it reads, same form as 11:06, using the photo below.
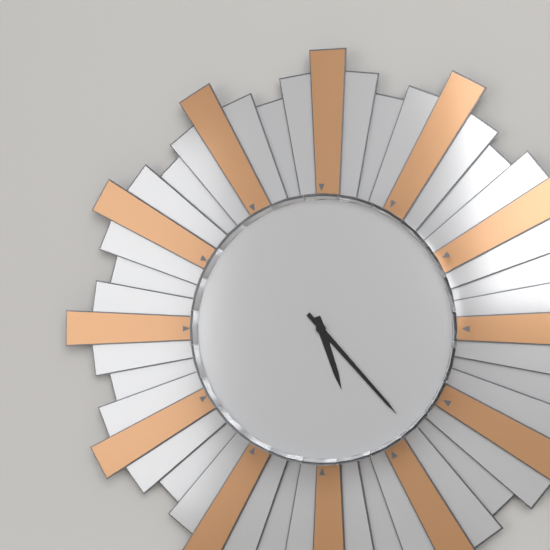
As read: 5:23
